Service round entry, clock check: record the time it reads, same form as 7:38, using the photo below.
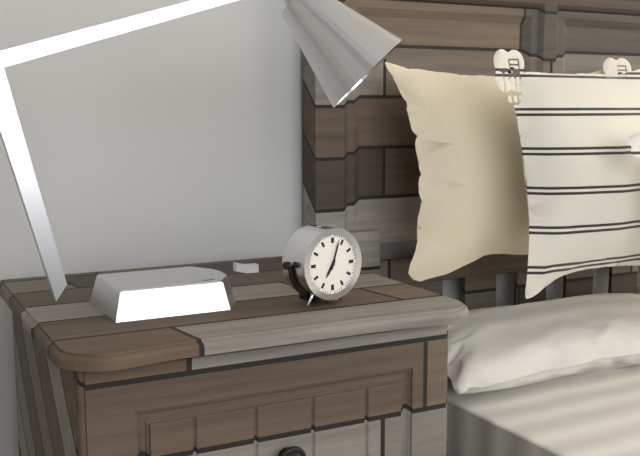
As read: 7:03
